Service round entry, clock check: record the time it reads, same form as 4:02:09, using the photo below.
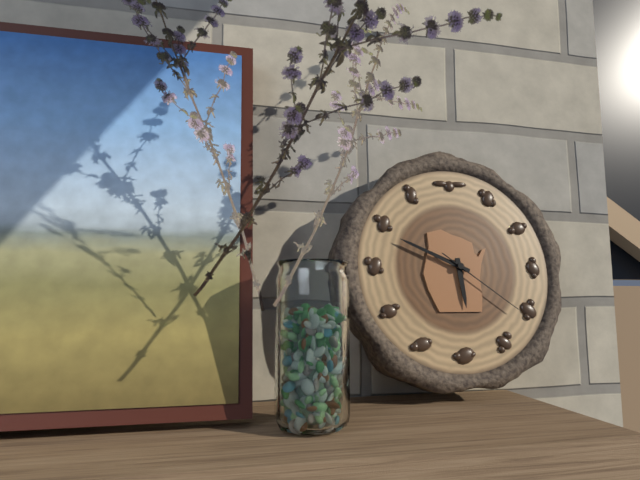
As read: 5:49:21
